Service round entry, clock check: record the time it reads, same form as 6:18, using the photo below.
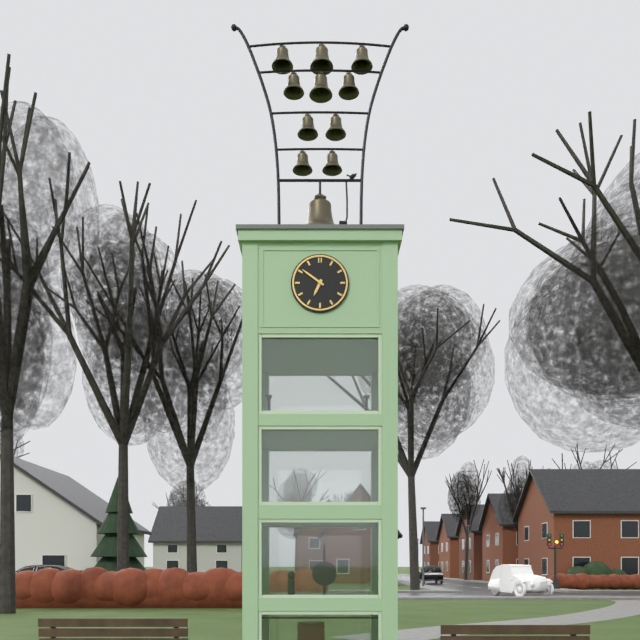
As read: 6:51
